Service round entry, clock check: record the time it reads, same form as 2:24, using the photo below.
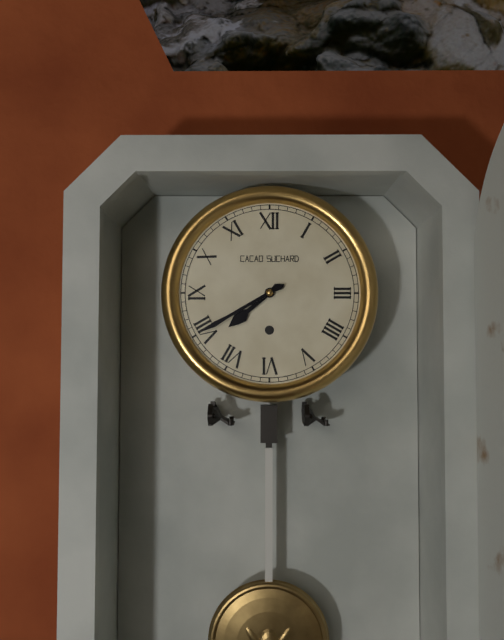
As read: 7:40
